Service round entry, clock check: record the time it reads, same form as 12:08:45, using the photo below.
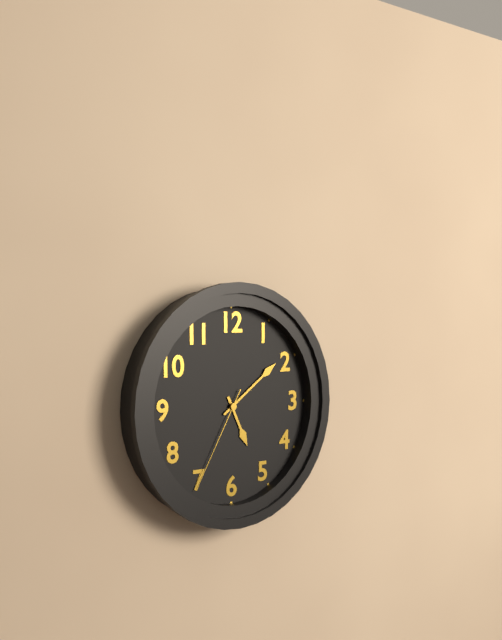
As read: 5:09:35
